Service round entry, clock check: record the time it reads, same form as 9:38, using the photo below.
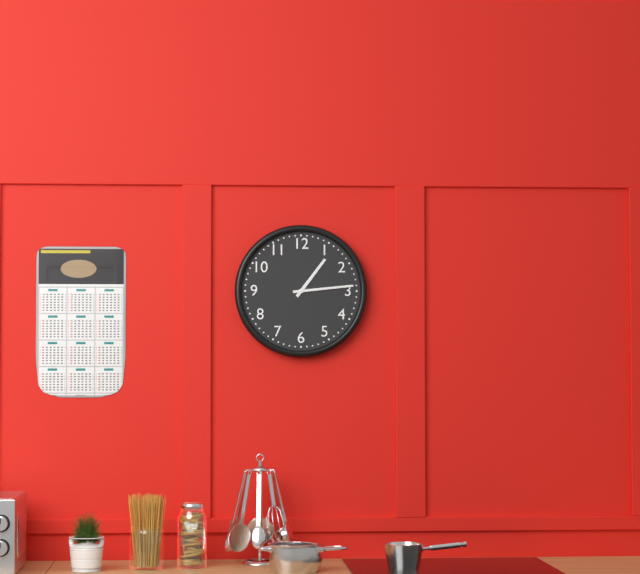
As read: 1:14
